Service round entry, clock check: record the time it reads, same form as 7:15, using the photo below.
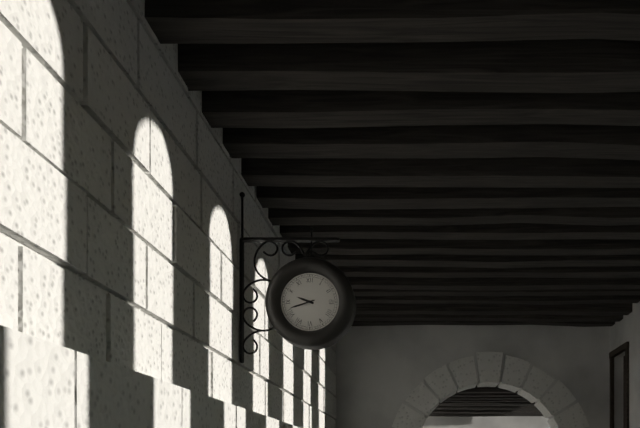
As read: 9:42
